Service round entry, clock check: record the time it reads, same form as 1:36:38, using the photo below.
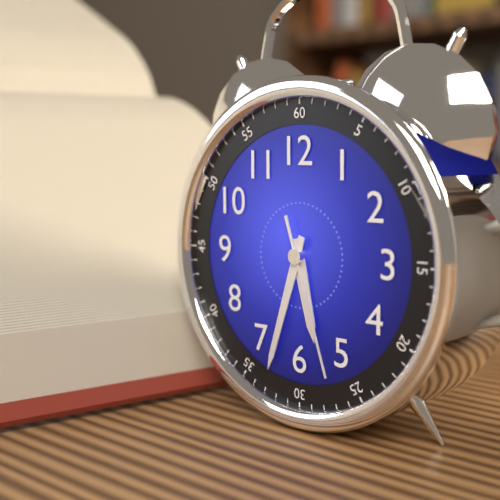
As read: 5:33:27
